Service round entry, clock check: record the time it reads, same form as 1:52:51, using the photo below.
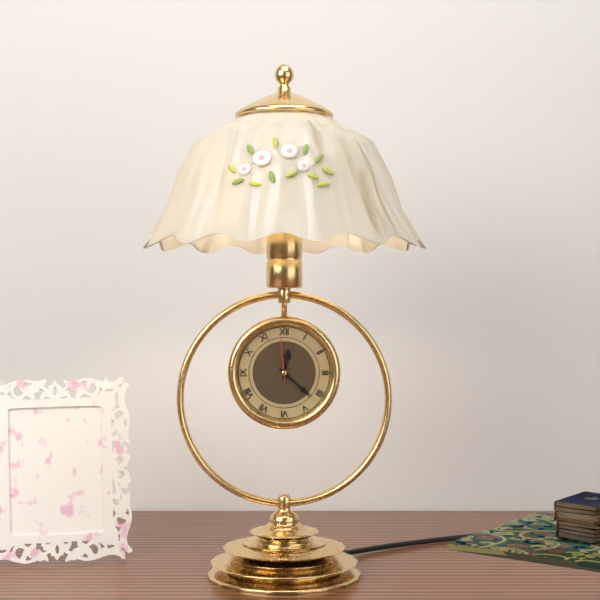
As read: 12:22:59
